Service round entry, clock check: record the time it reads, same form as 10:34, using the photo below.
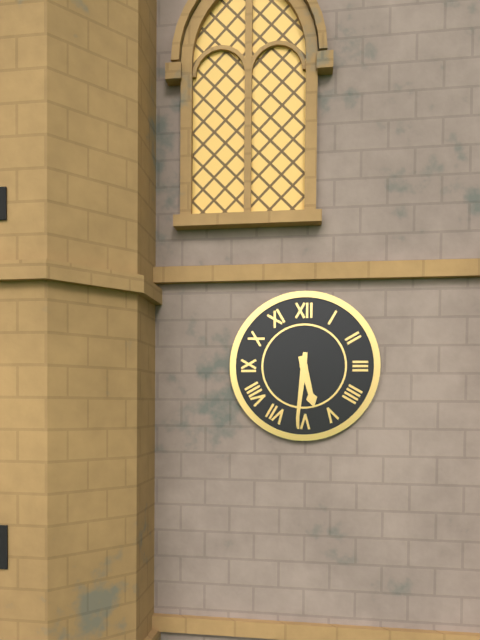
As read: 5:31
